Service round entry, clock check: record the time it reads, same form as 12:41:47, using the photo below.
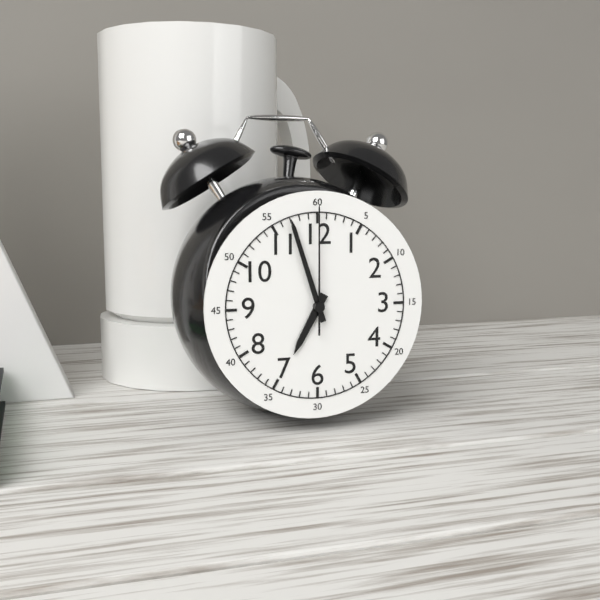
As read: 6:57:00
